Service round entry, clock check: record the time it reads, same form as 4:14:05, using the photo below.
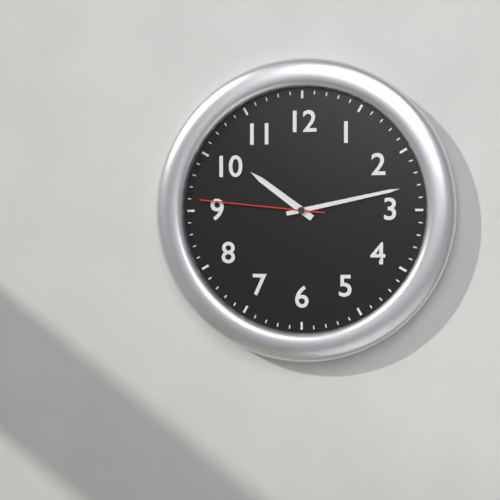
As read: 10:13:46
